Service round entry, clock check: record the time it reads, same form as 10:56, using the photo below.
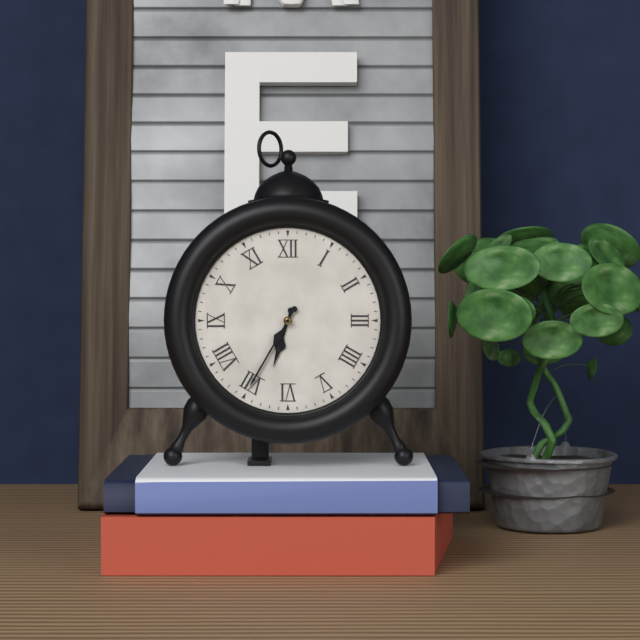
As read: 6:35
